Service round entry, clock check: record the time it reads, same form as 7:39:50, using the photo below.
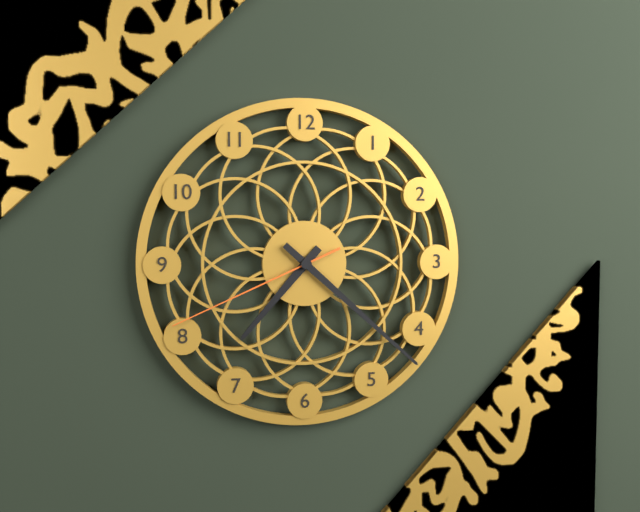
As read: 7:22:41
